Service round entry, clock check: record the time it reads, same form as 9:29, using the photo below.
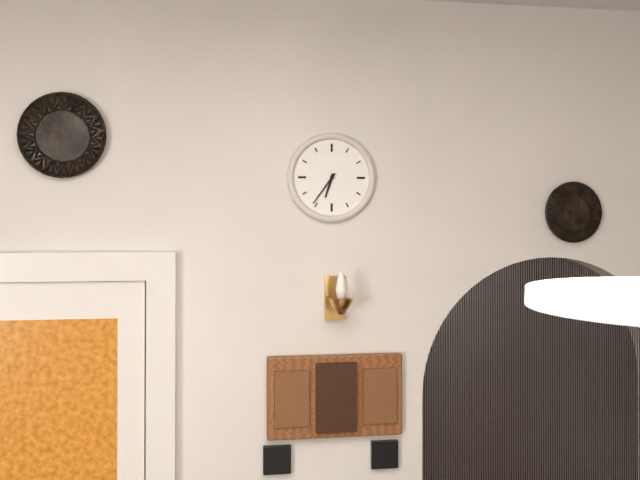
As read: 6:36
